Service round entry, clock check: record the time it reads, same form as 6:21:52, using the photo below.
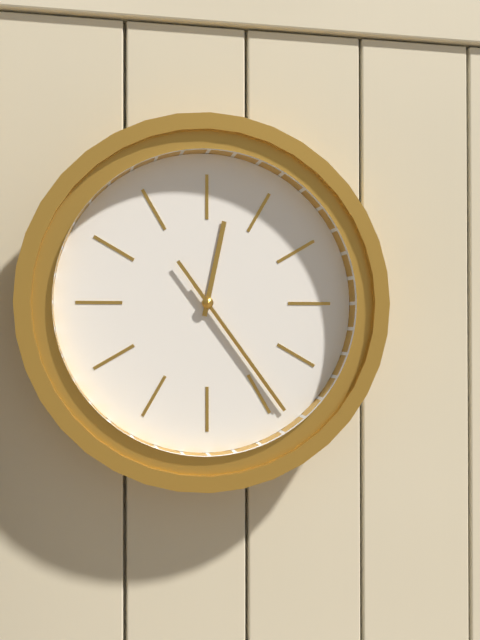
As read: 12:24:24
